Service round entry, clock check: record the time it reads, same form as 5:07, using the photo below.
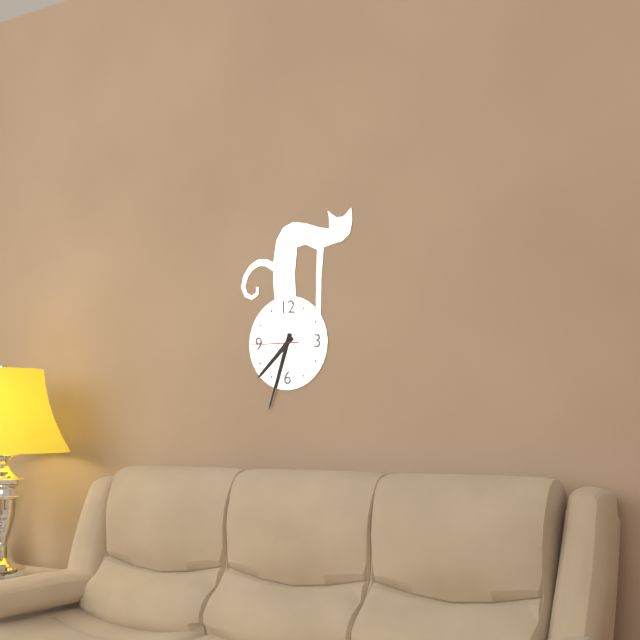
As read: 7:33
